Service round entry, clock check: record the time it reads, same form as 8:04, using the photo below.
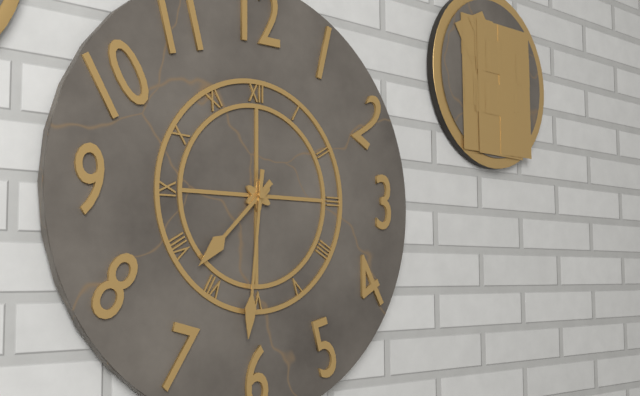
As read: 7:31
